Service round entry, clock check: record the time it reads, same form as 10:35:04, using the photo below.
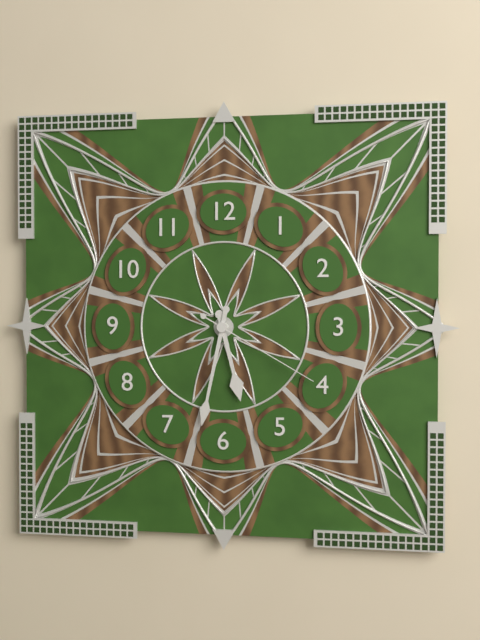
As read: 5:32:20
